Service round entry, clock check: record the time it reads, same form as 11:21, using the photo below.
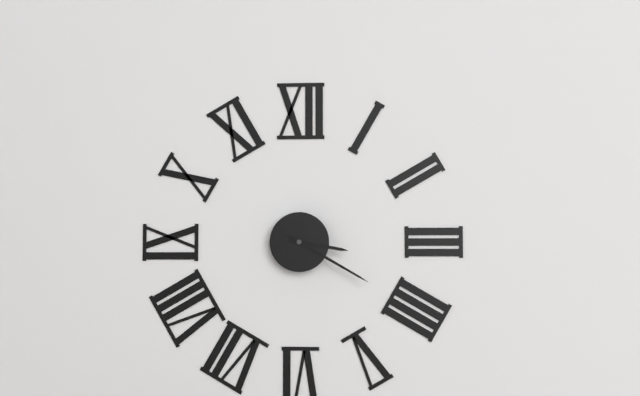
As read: 3:20
